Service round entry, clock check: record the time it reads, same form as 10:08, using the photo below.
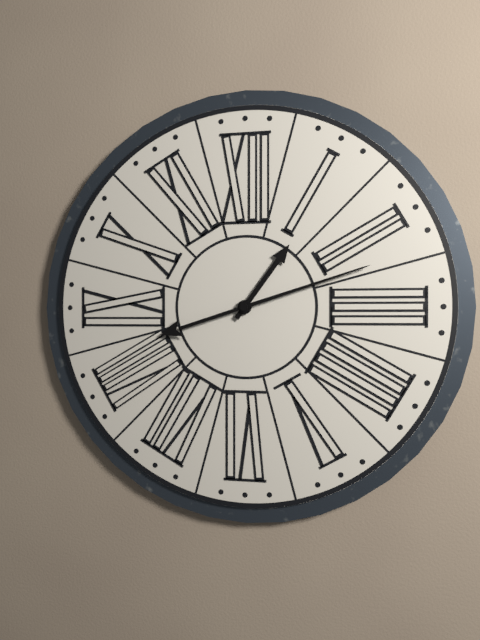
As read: 1:12
